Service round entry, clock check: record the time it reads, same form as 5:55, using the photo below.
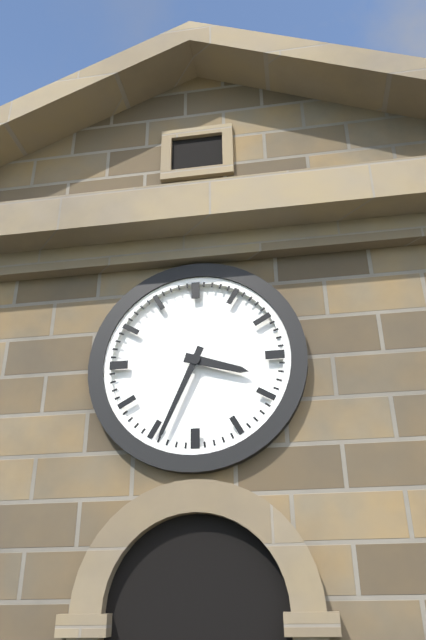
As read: 3:34
